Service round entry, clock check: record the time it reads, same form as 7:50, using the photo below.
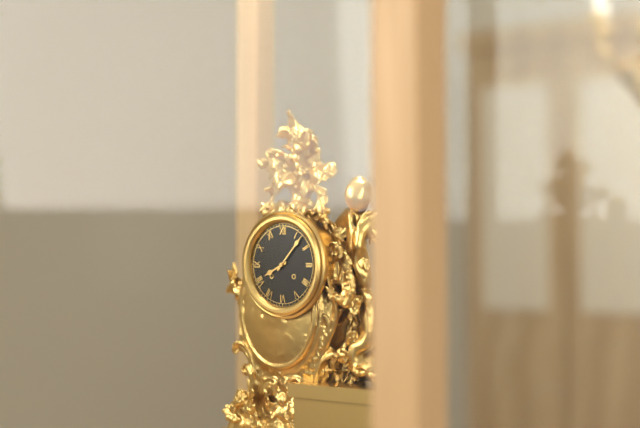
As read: 8:07
